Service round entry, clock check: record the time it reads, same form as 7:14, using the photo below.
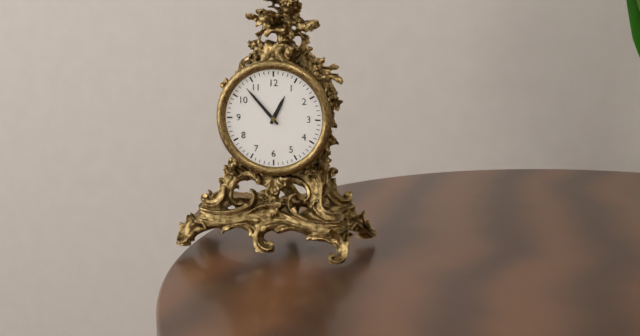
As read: 12:53
